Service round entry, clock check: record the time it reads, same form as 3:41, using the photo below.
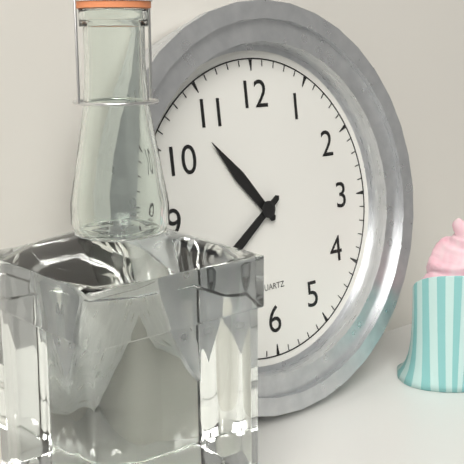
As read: 10:39
